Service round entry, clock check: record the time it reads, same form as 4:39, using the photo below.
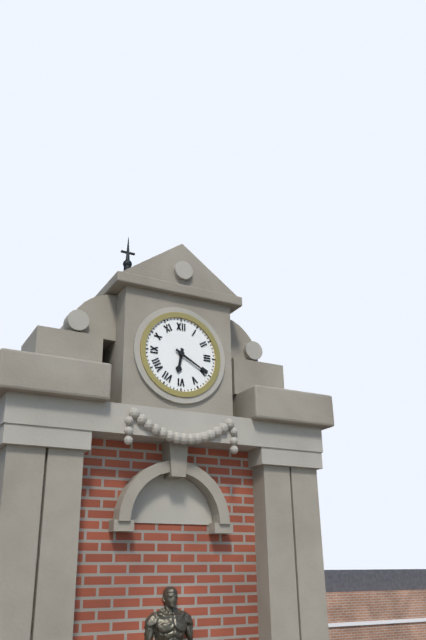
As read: 6:20
